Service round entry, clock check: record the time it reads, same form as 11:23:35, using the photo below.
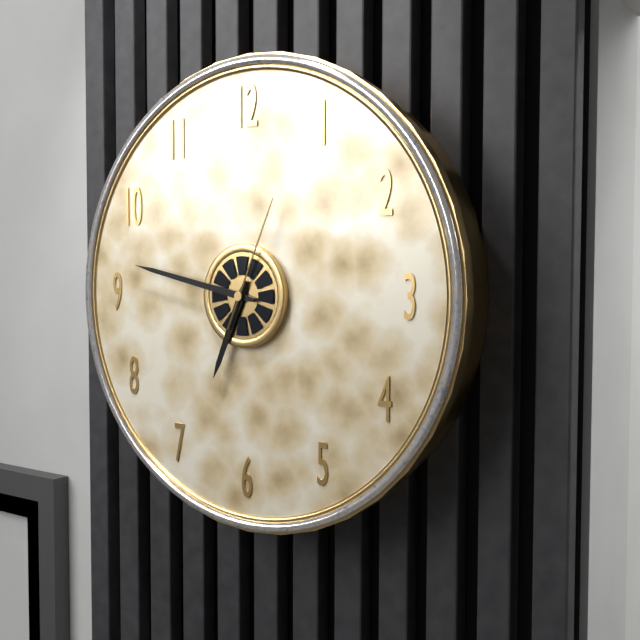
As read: 6:47:04
